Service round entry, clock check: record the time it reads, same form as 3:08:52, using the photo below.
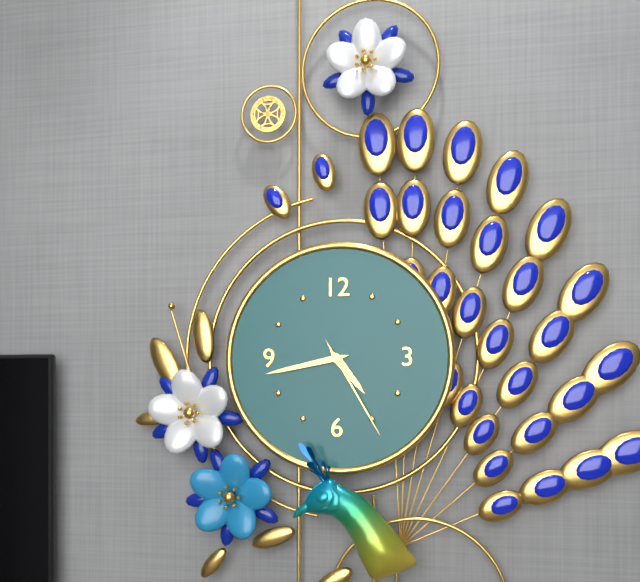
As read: 4:43:25
